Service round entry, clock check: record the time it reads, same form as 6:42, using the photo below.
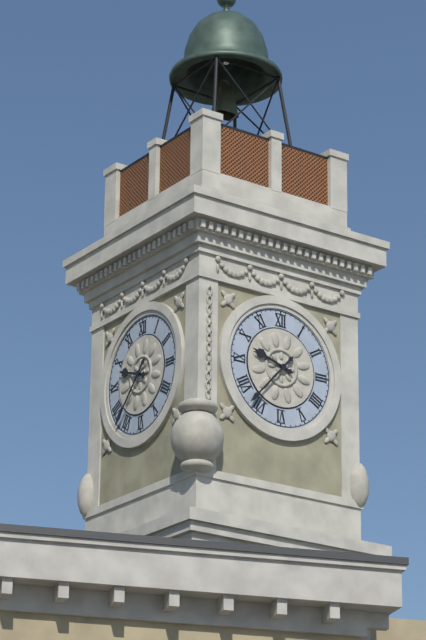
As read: 9:37
